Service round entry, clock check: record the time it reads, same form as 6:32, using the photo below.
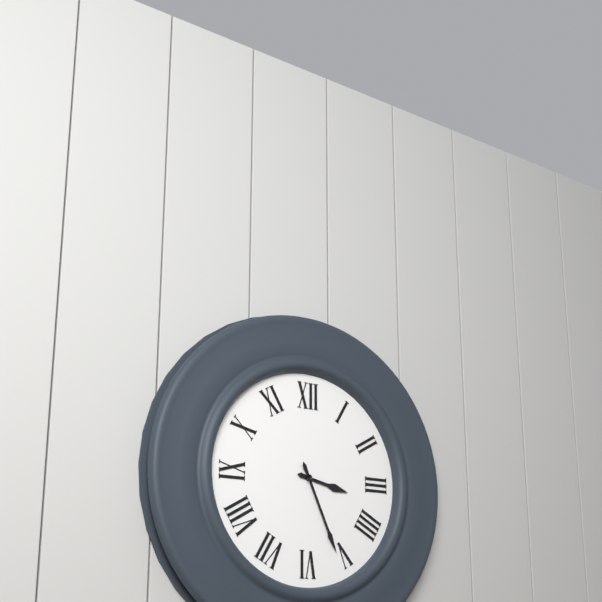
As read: 3:26
